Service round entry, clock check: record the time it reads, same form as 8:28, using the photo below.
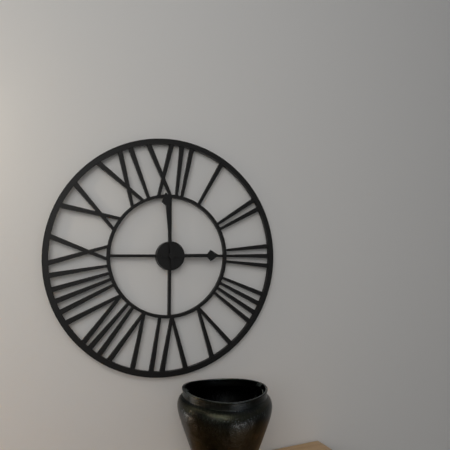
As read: 2:59
